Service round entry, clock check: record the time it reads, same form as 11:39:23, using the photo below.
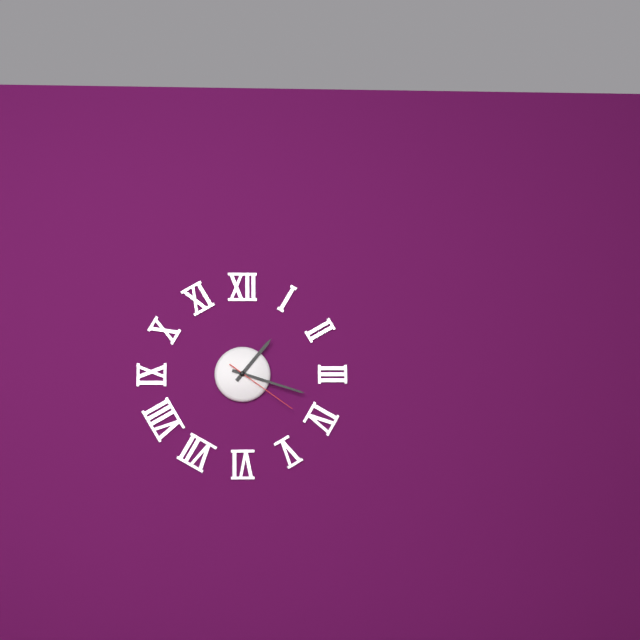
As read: 1:18:21
